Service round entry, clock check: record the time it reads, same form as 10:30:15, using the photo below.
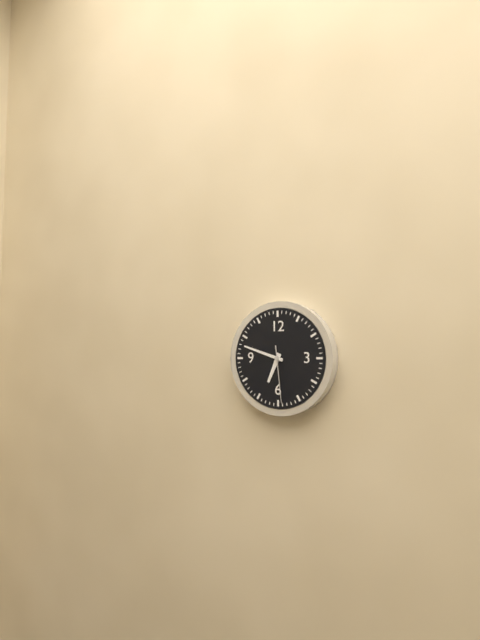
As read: 6:48:29
